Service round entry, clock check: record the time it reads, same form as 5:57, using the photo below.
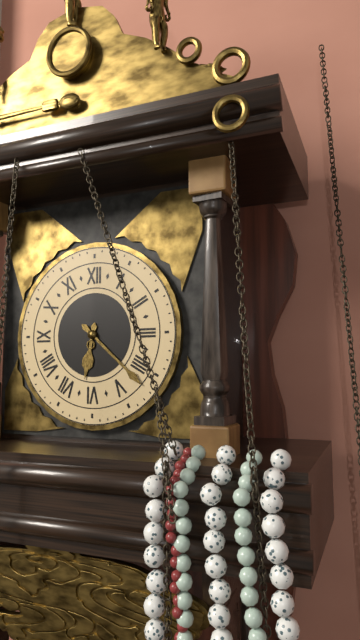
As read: 6:22
